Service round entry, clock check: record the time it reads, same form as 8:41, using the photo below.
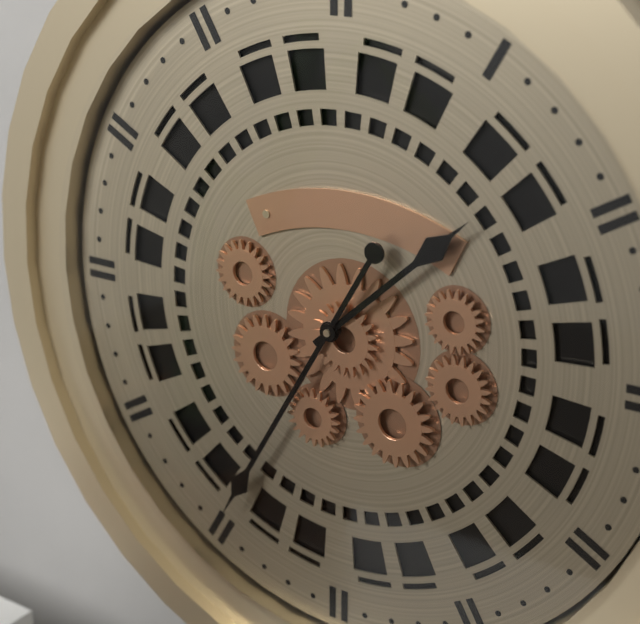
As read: 1:35
